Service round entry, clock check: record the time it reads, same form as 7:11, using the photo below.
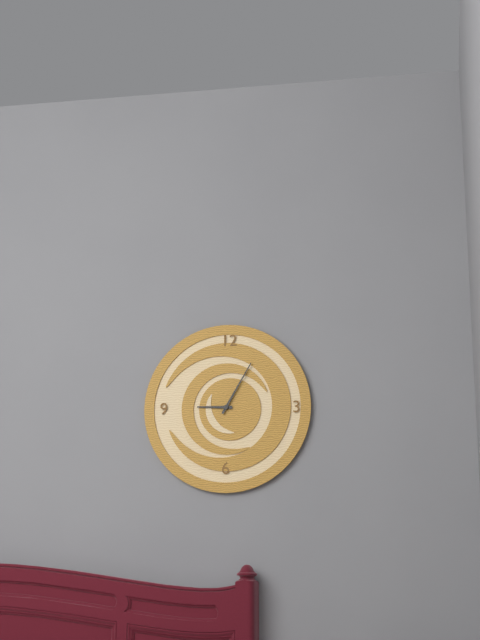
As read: 9:05
